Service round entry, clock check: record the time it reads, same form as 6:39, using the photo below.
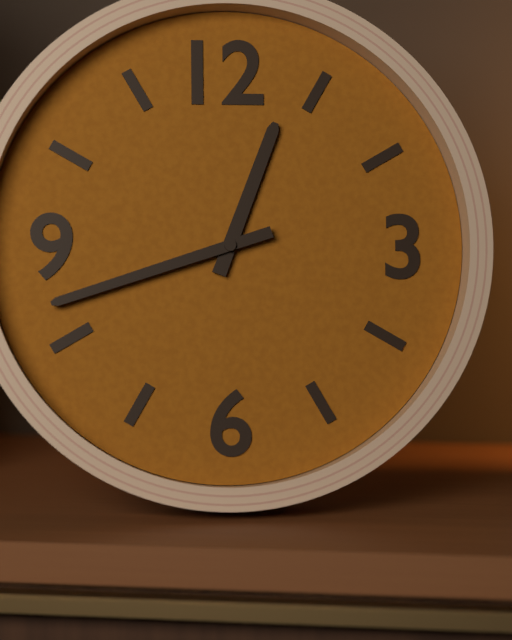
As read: 12:42
